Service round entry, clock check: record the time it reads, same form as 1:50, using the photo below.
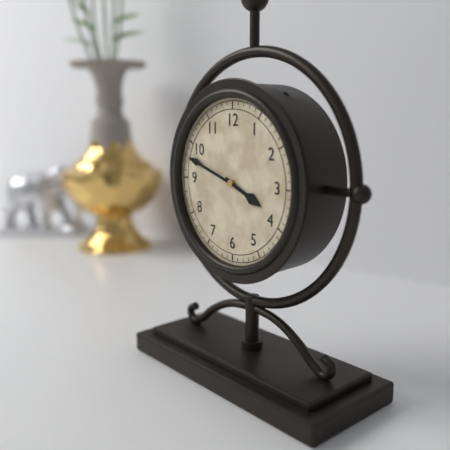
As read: 3:48
